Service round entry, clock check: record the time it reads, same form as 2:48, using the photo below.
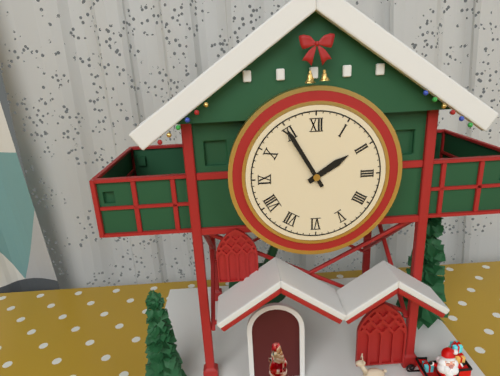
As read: 1:55
